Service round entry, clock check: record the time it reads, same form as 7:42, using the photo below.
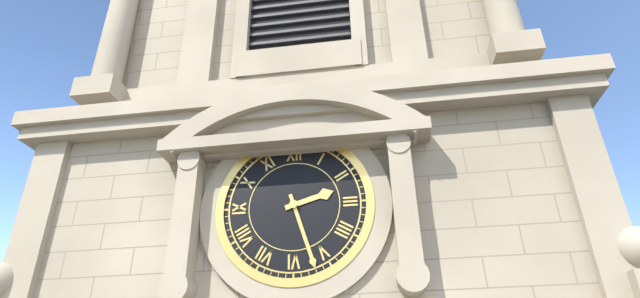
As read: 2:27
